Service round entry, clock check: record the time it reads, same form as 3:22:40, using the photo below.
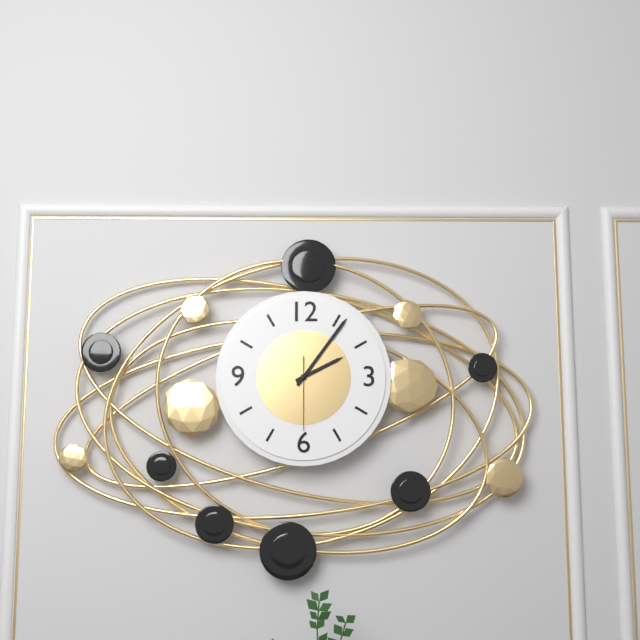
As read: 2:06:30
